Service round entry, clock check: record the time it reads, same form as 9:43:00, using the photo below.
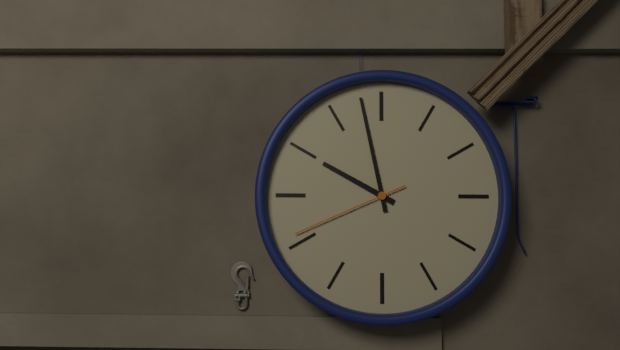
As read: 9:58:41
